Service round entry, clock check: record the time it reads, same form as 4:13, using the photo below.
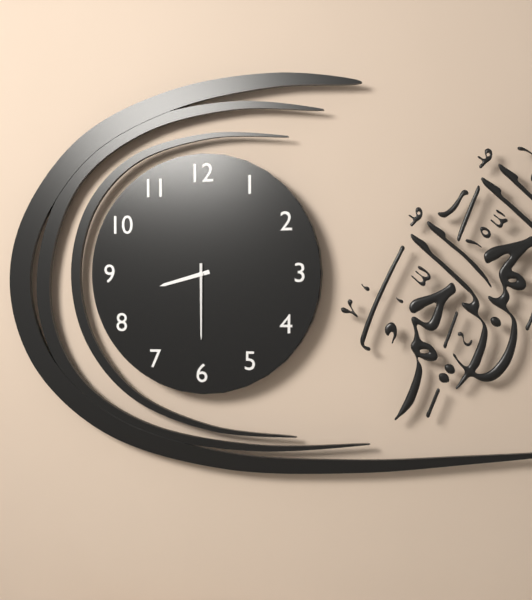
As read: 8:30
